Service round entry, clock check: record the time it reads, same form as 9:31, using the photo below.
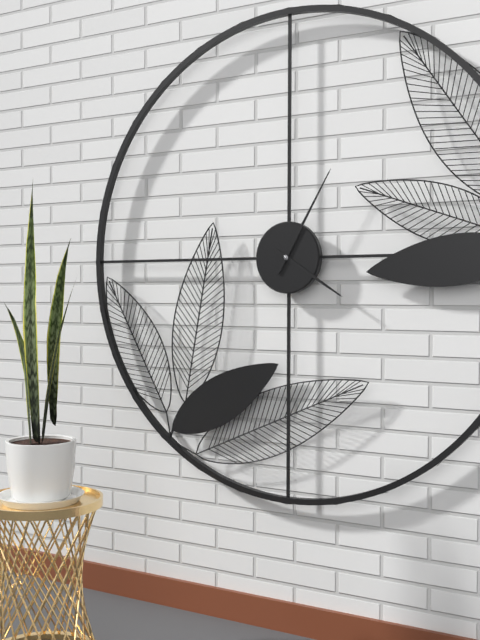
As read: 4:05
